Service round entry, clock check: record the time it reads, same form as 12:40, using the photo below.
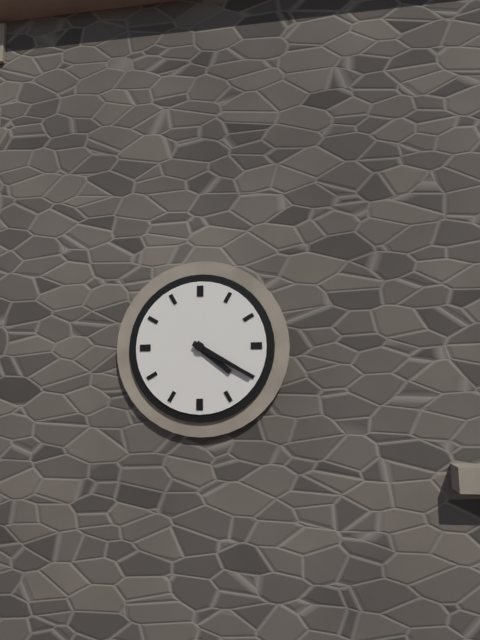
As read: 4:20
